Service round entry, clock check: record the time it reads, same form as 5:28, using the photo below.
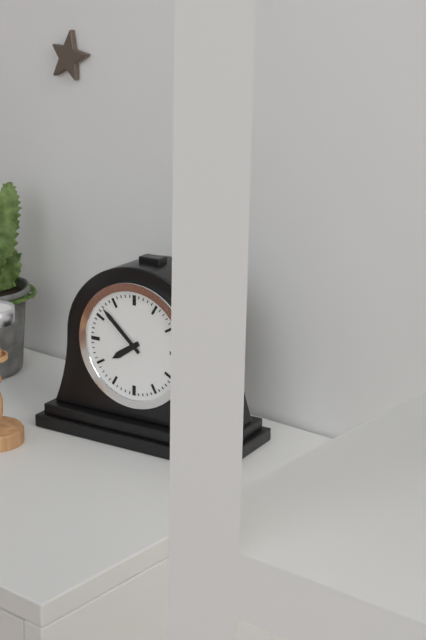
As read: 7:52
